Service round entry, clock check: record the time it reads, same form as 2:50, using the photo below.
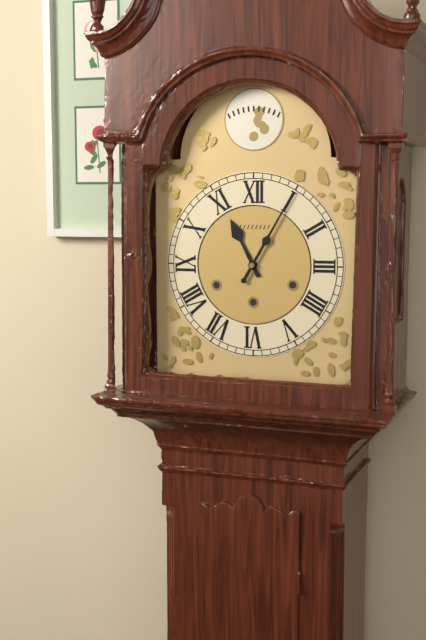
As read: 11:05
